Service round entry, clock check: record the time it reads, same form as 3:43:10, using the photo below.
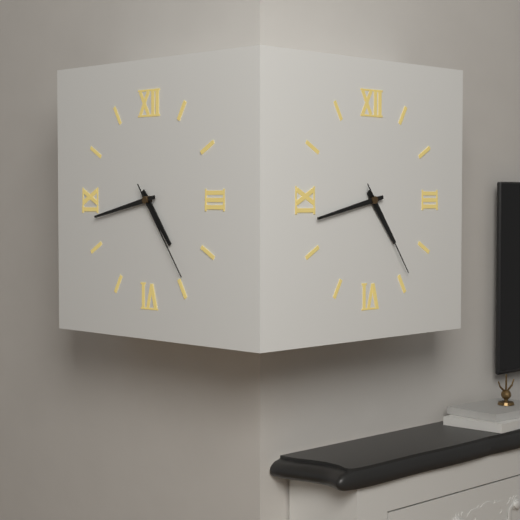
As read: 4:43:24
